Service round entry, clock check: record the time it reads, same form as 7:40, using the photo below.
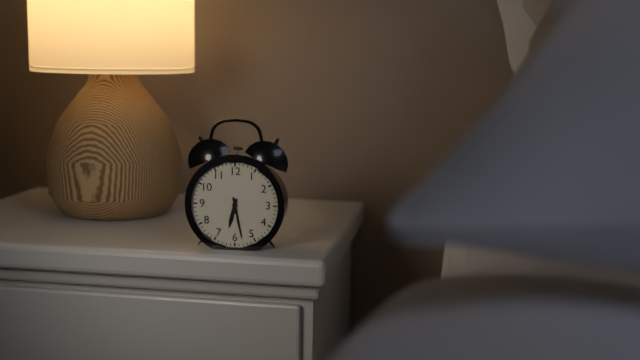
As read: 6:28
